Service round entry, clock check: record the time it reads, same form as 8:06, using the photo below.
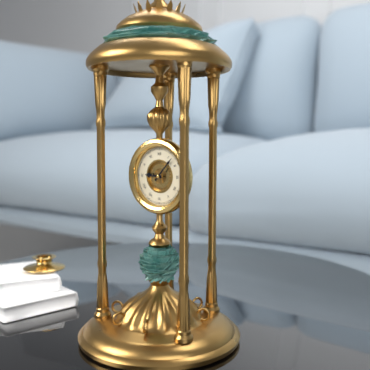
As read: 9:07
